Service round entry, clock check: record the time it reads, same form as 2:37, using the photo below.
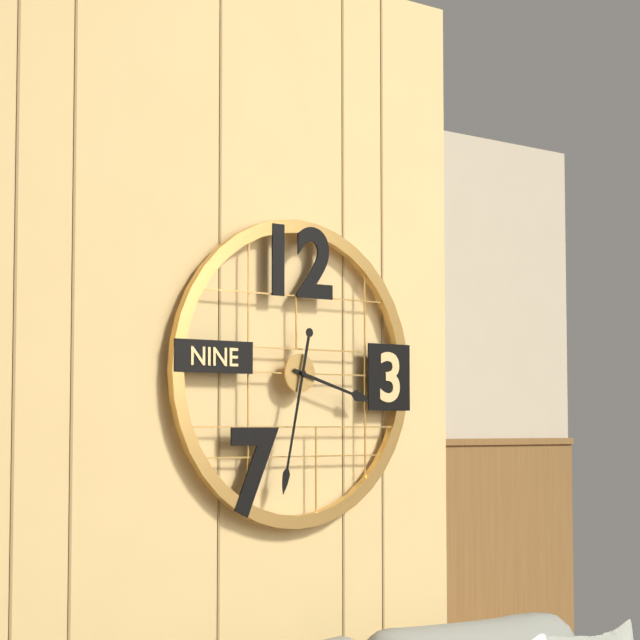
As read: 3:32
